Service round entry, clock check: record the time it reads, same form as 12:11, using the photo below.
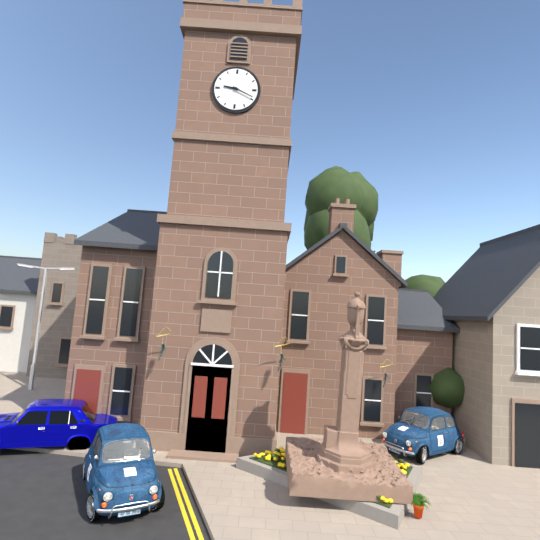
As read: 9:19
